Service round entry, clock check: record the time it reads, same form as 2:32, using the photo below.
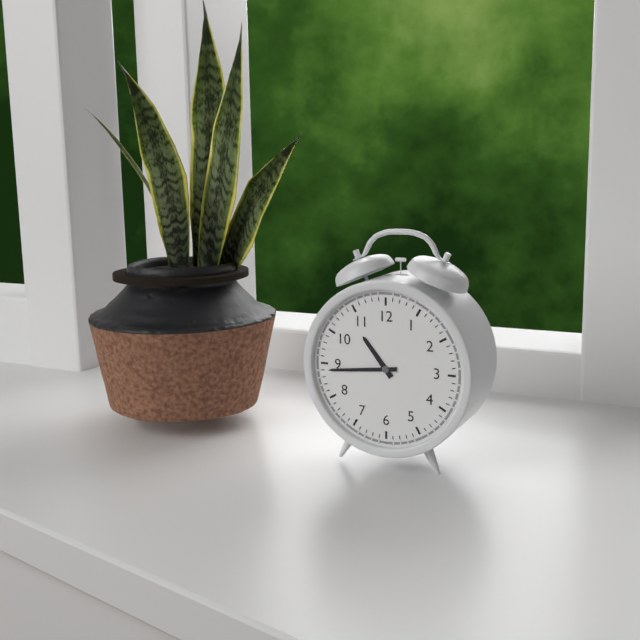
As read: 10:44
